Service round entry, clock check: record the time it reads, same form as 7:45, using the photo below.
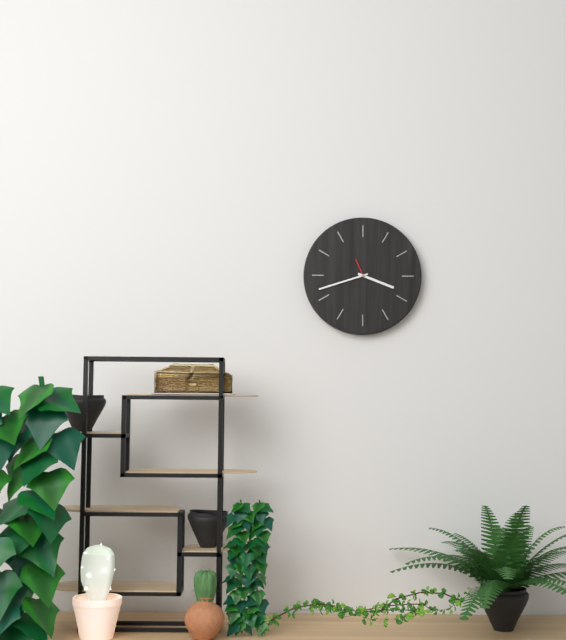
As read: 3:42
